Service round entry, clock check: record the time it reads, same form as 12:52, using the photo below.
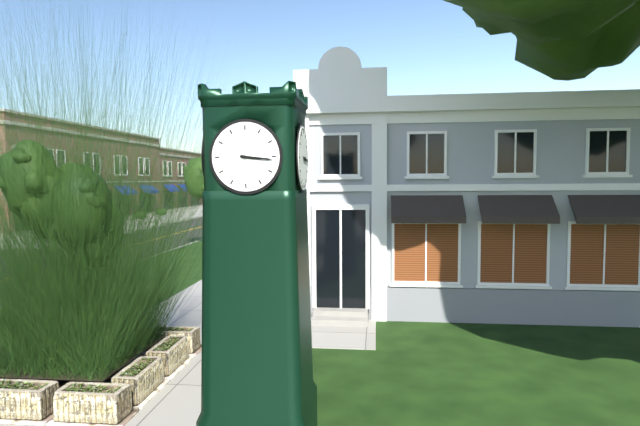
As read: 3:16
